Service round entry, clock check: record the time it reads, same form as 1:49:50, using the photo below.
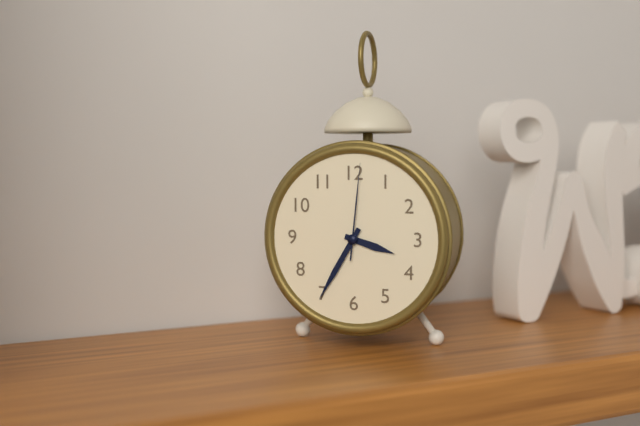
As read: 3:35:01
